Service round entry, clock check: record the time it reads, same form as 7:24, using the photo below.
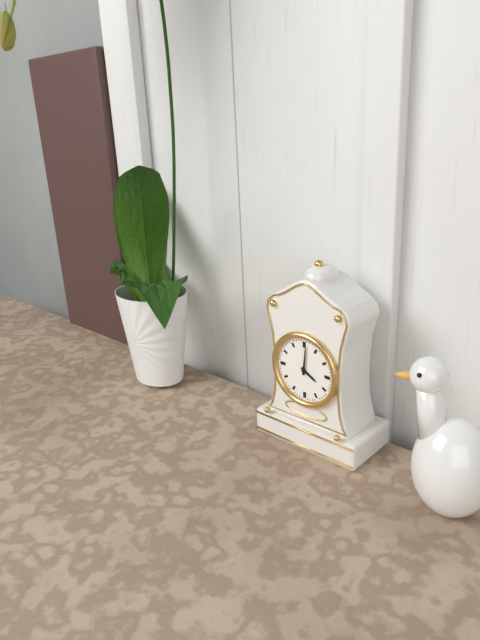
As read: 4:01
